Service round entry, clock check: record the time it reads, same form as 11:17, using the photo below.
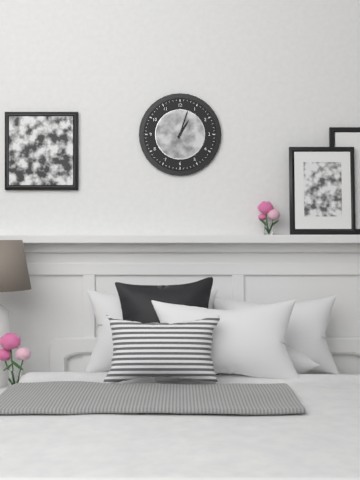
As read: 1:03
